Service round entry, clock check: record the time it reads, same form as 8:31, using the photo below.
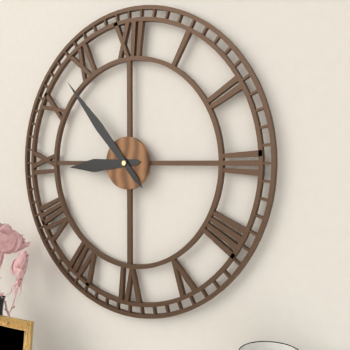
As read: 8:53
